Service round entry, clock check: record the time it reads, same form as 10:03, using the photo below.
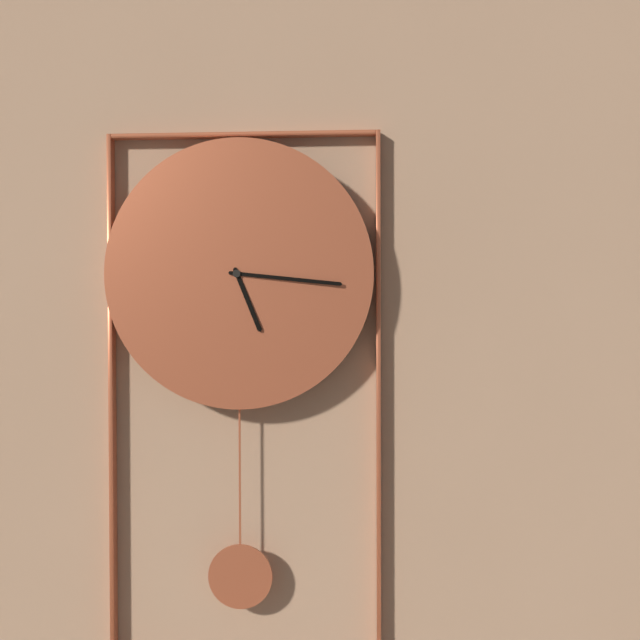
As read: 5:16
